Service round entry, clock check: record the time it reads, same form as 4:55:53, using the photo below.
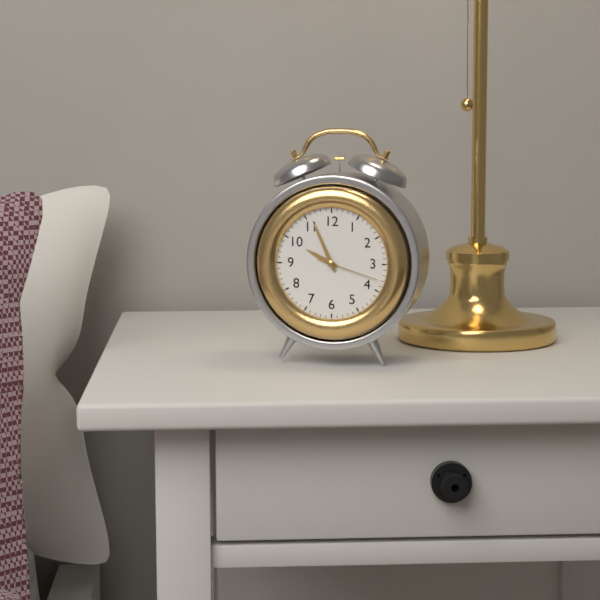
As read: 9:56:18
